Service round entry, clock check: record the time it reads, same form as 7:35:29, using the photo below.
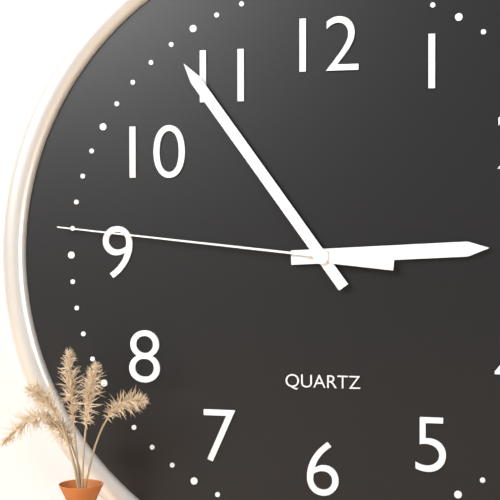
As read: 2:54:46
